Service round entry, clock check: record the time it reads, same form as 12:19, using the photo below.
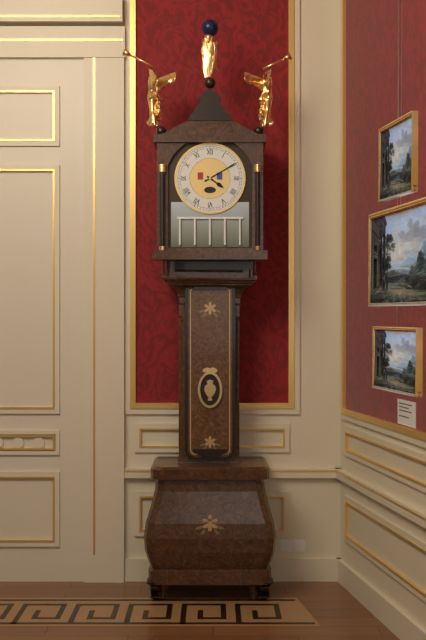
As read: 4:10
